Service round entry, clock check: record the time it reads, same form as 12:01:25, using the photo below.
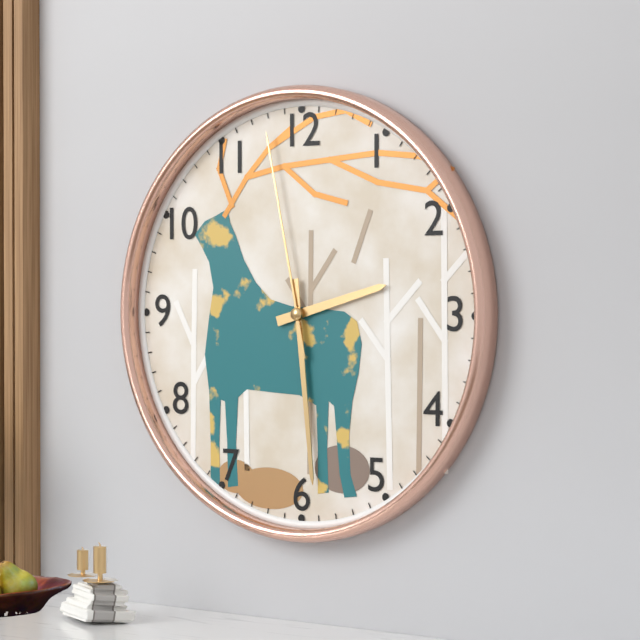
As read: 2:29:58
